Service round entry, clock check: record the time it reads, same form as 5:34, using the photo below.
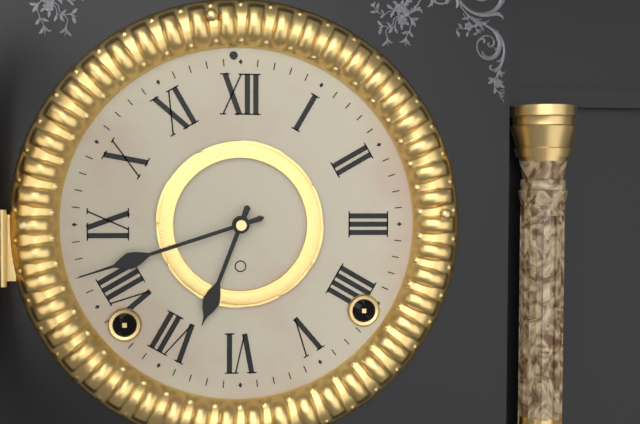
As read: 6:42
